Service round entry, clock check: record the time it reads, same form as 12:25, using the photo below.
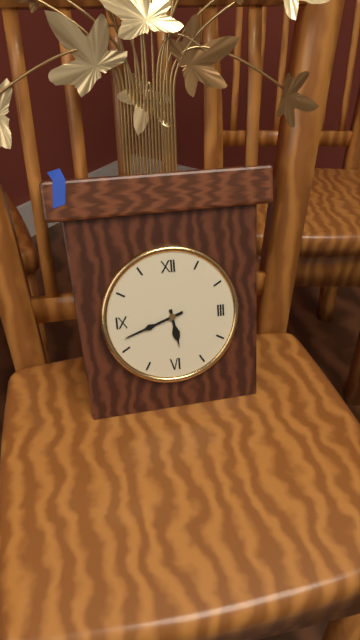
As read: 5:42
